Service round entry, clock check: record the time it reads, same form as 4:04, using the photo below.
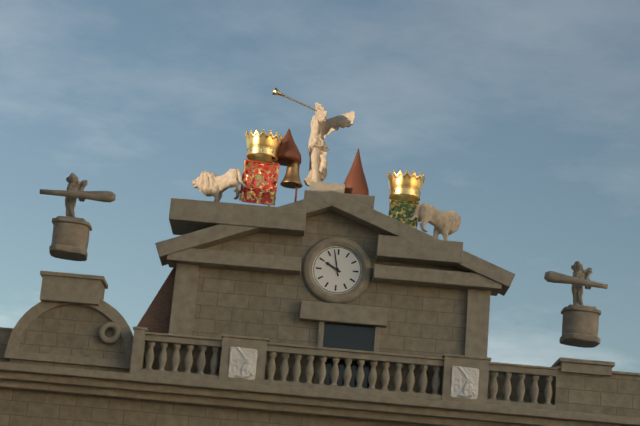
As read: 9:58
